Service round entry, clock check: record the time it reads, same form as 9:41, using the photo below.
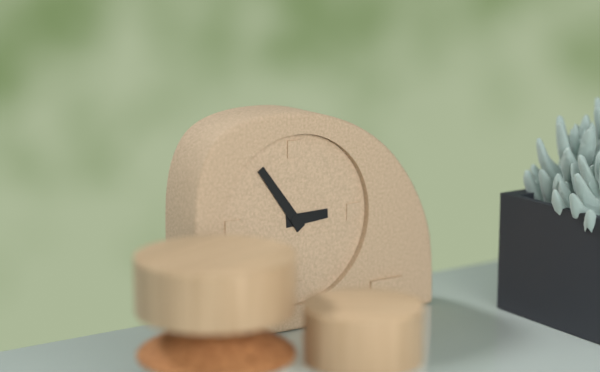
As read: 2:54
